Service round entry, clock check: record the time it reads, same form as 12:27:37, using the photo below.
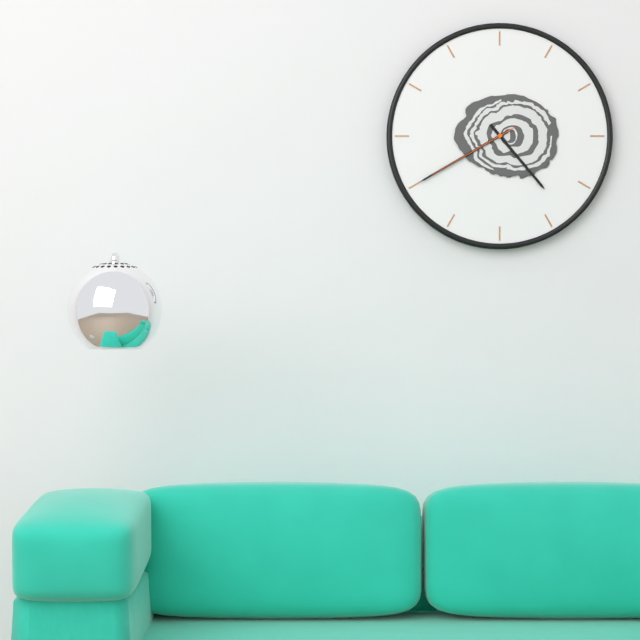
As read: 4:40:40
